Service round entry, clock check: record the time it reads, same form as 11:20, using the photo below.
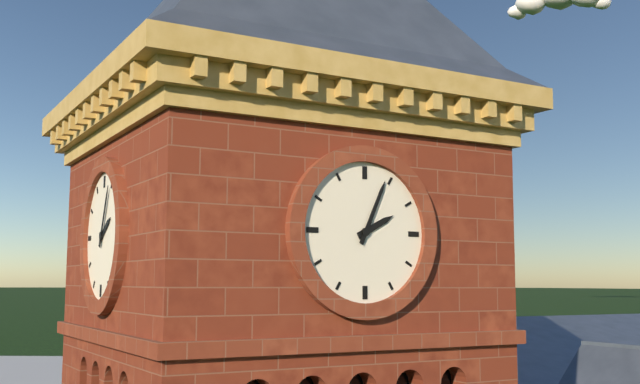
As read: 2:04
